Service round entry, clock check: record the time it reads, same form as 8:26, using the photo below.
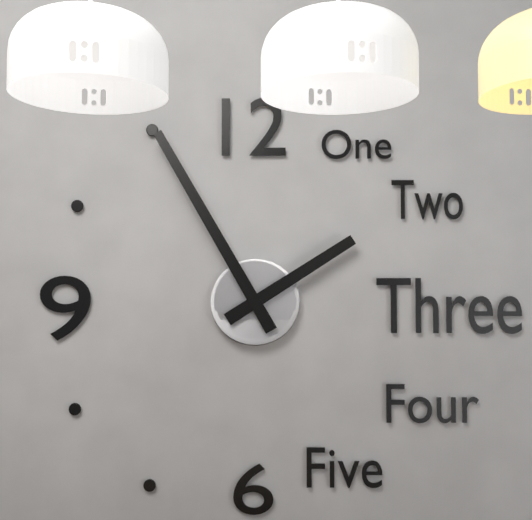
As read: 1:55
